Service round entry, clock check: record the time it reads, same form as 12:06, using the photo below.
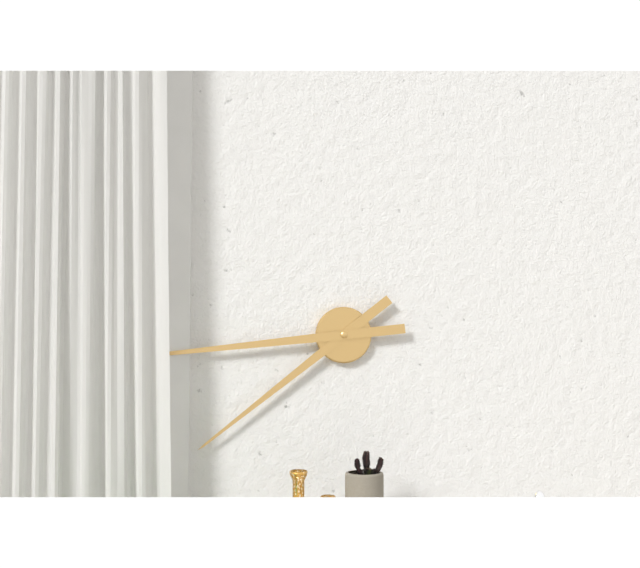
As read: 7:44
